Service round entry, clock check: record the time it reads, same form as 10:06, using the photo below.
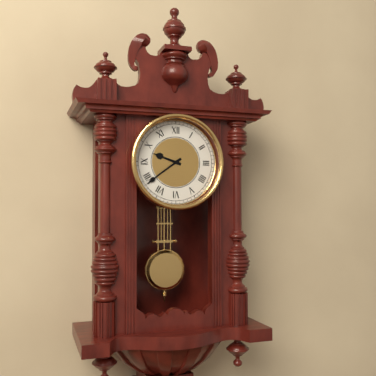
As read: 9:39
